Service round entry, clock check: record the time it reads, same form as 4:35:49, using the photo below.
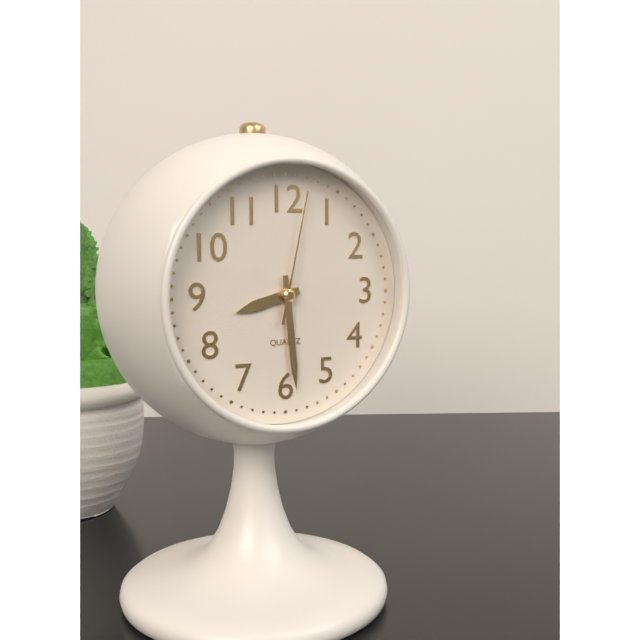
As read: 8:29:02
